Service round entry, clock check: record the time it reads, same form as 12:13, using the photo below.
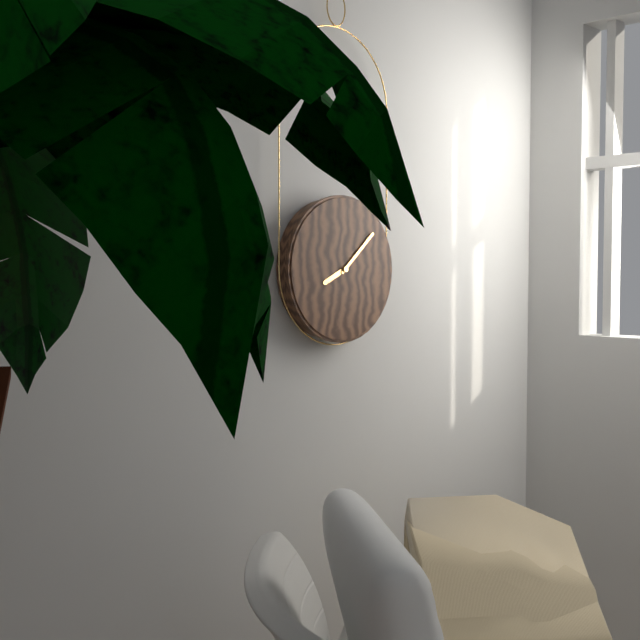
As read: 8:08
